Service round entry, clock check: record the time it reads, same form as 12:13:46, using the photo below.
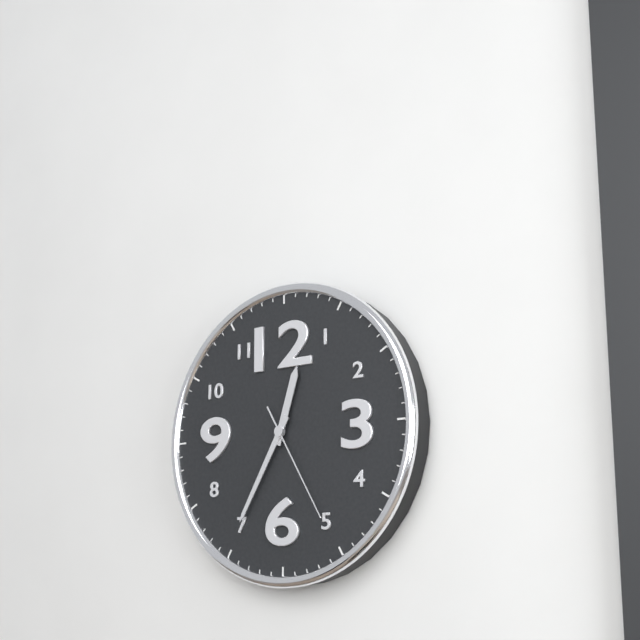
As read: 12:35:25
